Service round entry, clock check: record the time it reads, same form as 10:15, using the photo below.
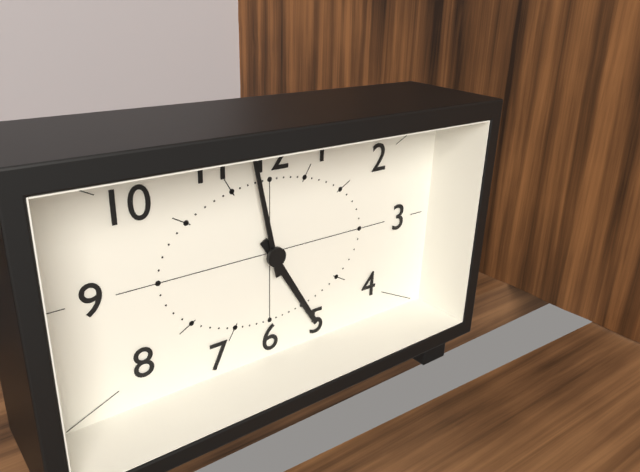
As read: 4:58
